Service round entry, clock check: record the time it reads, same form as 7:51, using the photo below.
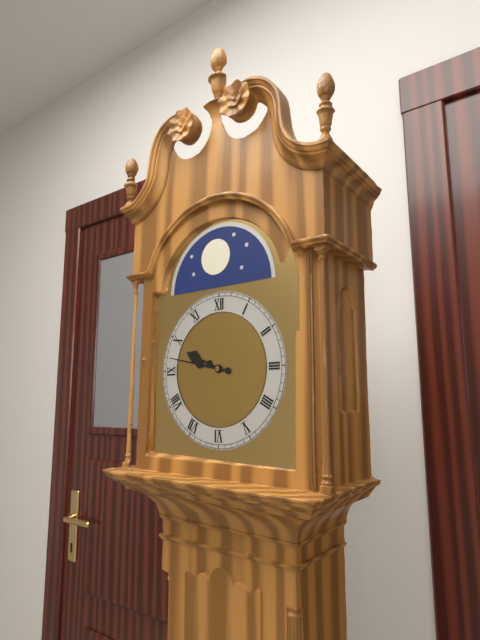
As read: 9:47
